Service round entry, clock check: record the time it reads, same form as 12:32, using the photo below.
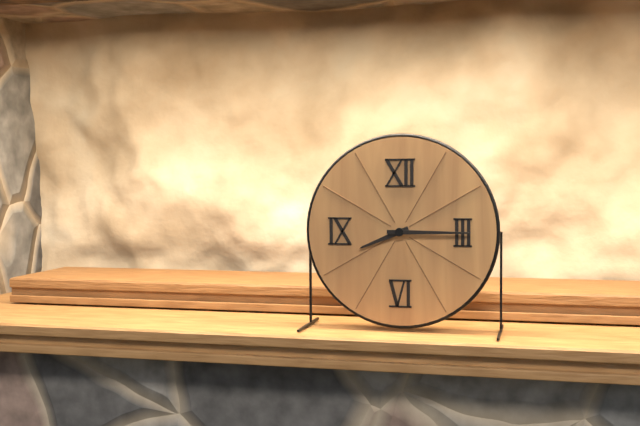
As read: 8:15
